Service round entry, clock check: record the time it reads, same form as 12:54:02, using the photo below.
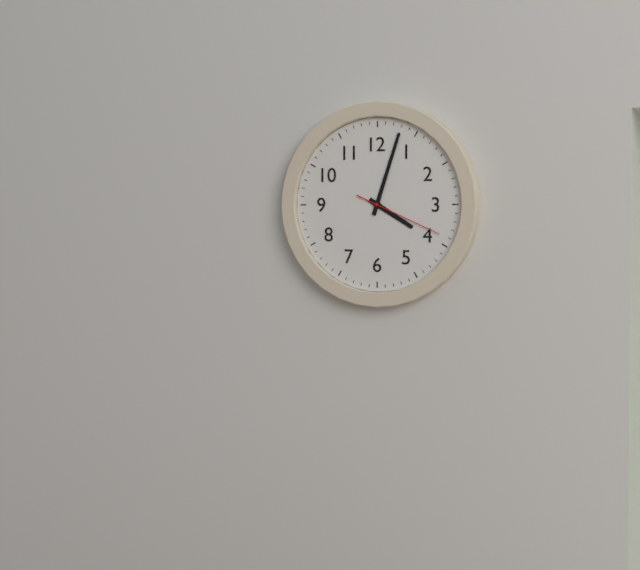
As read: 4:03:19
